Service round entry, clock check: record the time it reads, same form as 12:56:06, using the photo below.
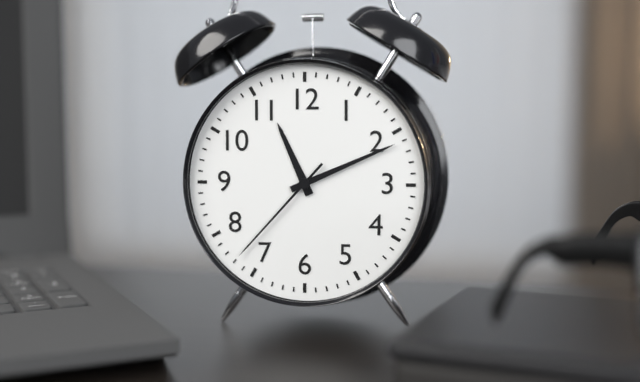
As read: 11:11:37
